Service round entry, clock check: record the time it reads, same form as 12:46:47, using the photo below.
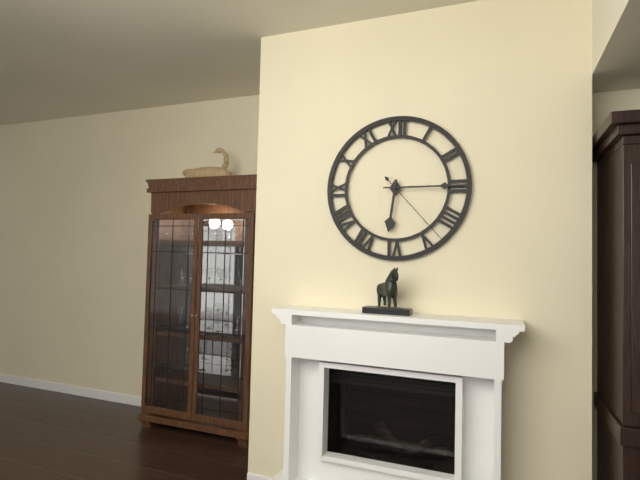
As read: 6:15:23
